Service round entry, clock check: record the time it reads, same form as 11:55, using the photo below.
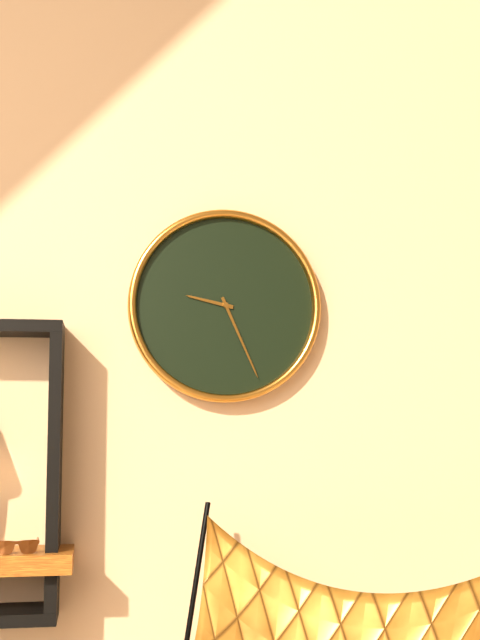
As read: 9:26
